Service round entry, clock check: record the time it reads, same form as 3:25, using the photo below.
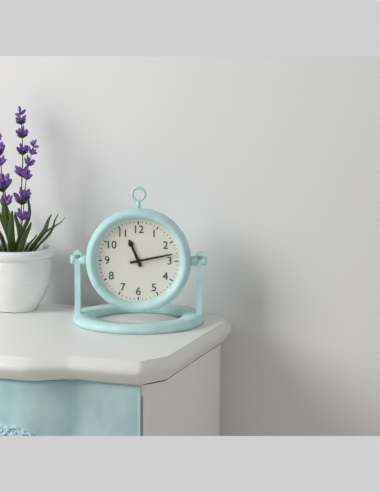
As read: 11:13
